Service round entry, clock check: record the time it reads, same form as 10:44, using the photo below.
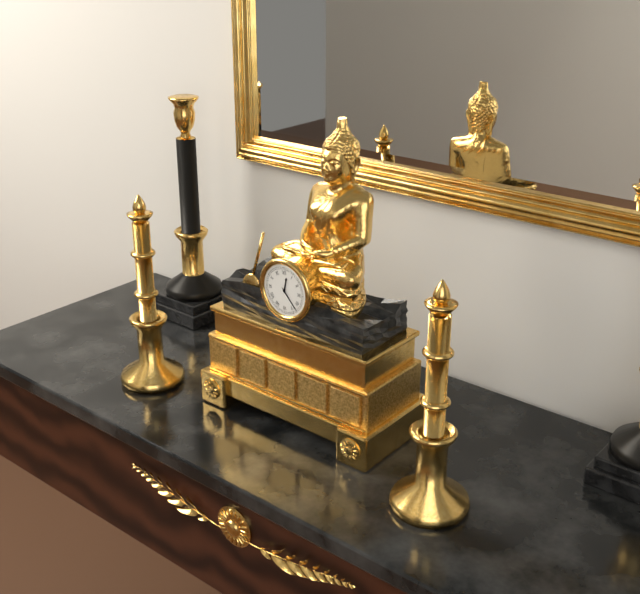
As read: 12:23
